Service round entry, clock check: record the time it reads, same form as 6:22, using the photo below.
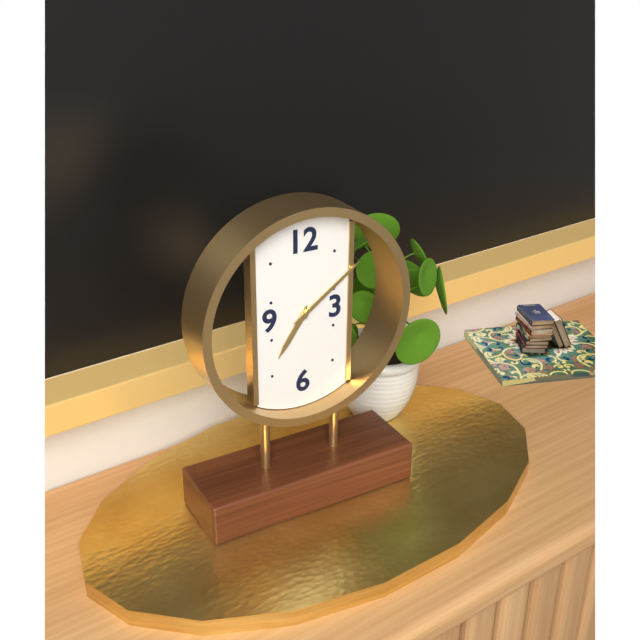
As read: 7:09
